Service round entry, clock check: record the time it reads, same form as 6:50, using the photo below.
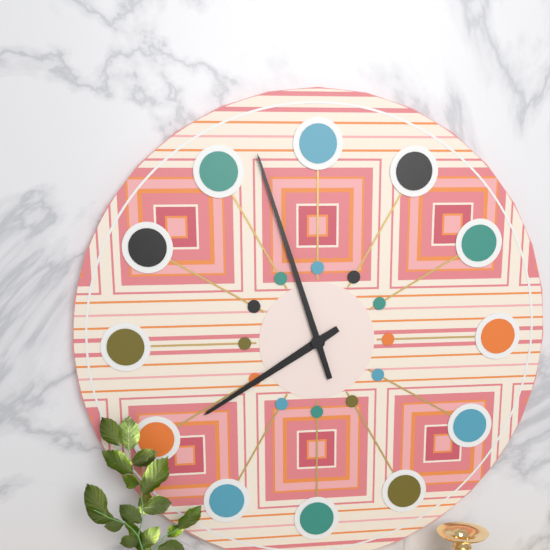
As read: 7:57
